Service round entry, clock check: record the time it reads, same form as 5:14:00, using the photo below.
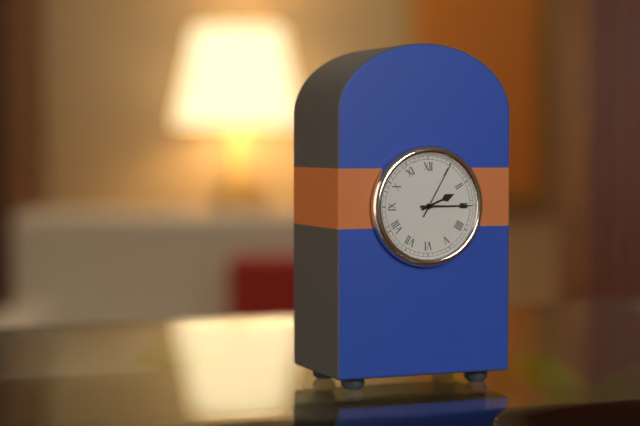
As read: 2:15:05
